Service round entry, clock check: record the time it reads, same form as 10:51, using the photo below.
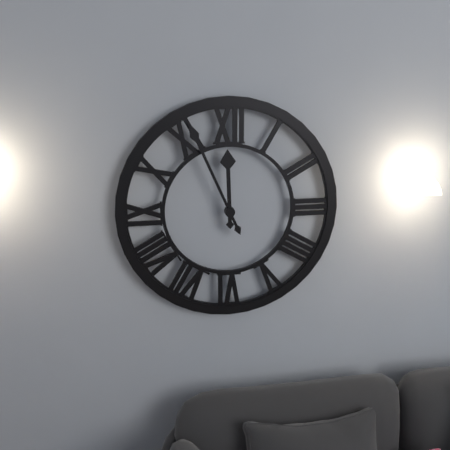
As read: 11:56
